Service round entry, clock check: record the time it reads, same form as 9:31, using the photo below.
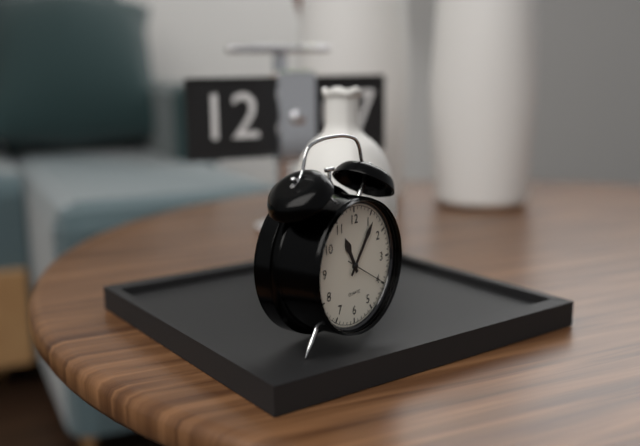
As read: 11:06
